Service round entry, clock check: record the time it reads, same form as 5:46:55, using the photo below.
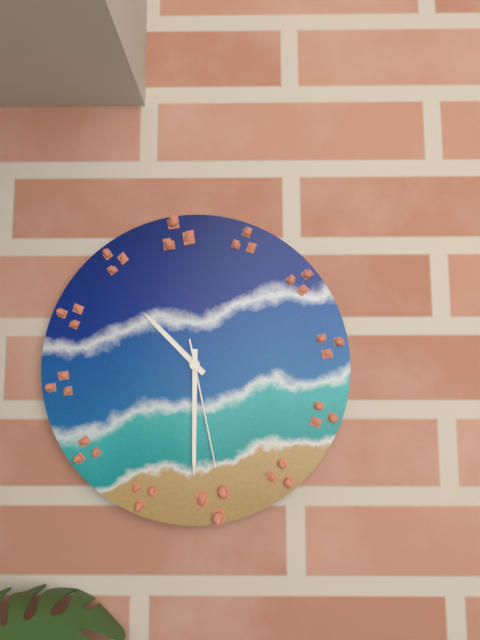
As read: 10:30:28
